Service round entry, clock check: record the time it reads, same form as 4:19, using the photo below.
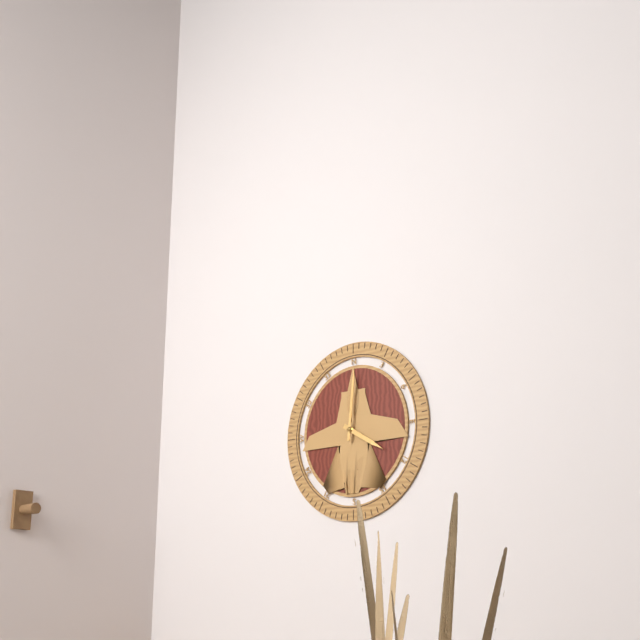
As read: 4:01
